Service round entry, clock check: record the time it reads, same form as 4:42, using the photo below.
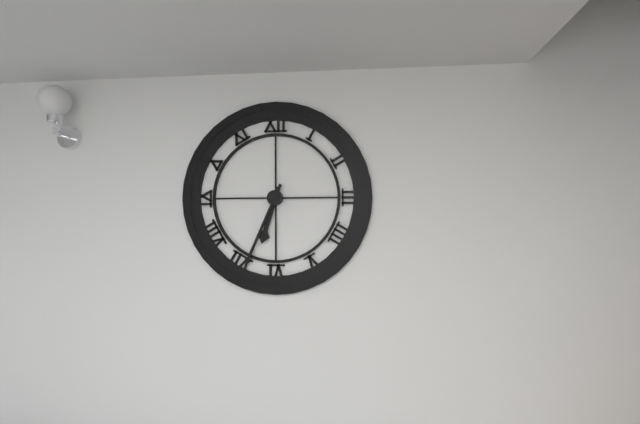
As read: 6:34
